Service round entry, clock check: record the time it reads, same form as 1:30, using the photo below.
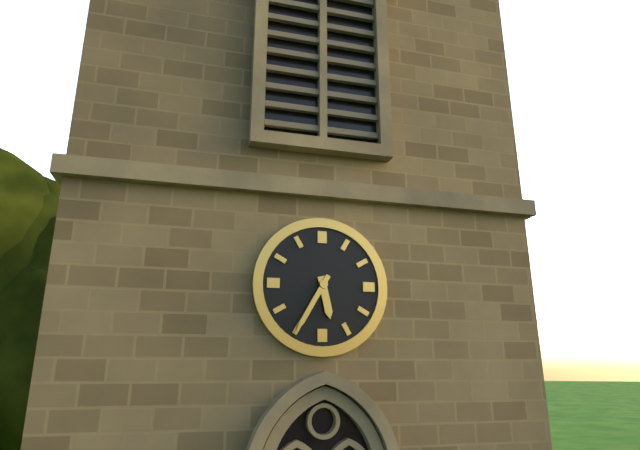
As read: 5:35
